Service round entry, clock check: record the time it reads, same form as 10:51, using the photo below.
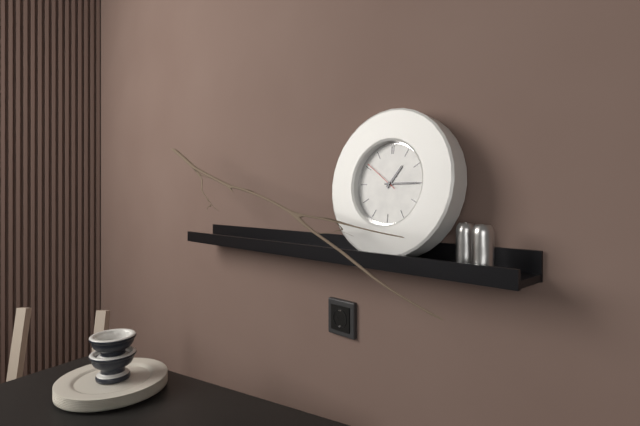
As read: 1:15
